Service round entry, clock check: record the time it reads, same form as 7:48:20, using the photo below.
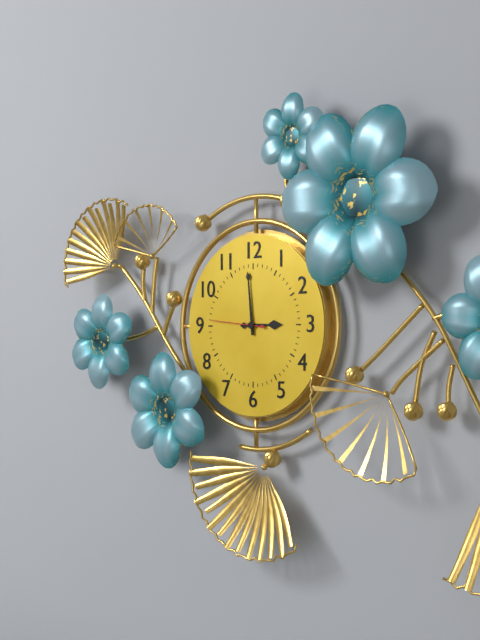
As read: 2:59:46
